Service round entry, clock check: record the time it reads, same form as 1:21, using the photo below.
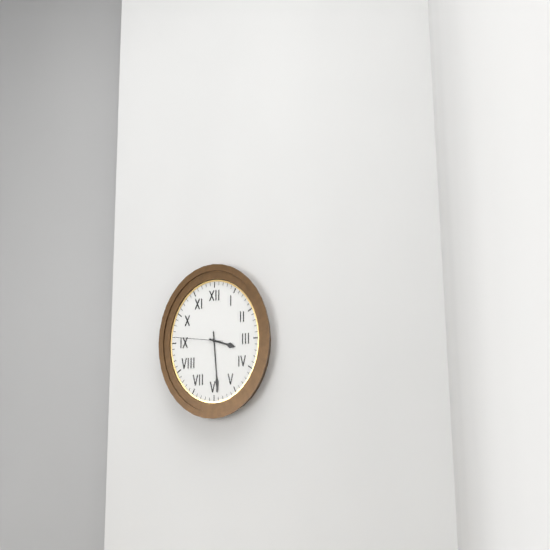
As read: 3:29
